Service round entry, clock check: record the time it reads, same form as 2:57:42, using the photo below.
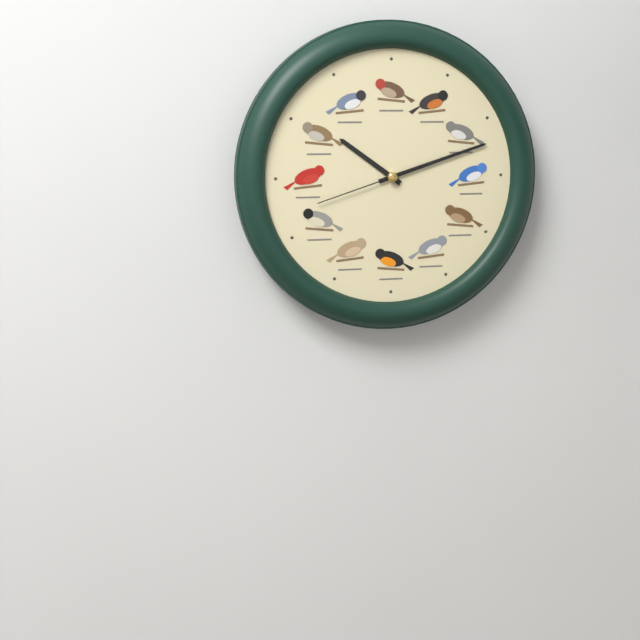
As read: 10:12:42
